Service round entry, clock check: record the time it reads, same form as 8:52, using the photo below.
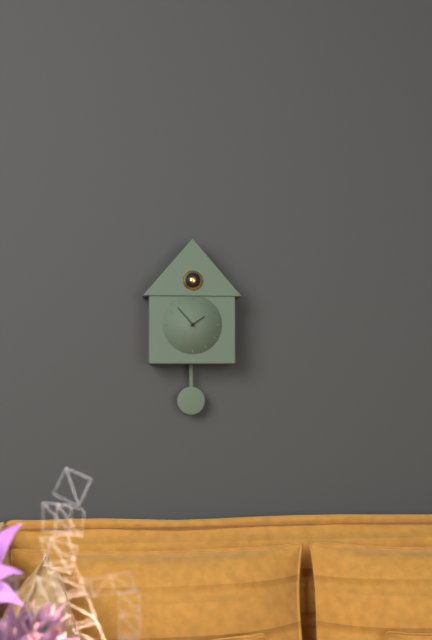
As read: 1:53
